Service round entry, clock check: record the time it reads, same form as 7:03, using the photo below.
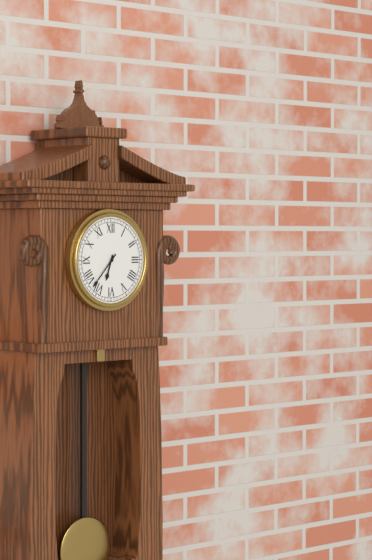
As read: 6:37
